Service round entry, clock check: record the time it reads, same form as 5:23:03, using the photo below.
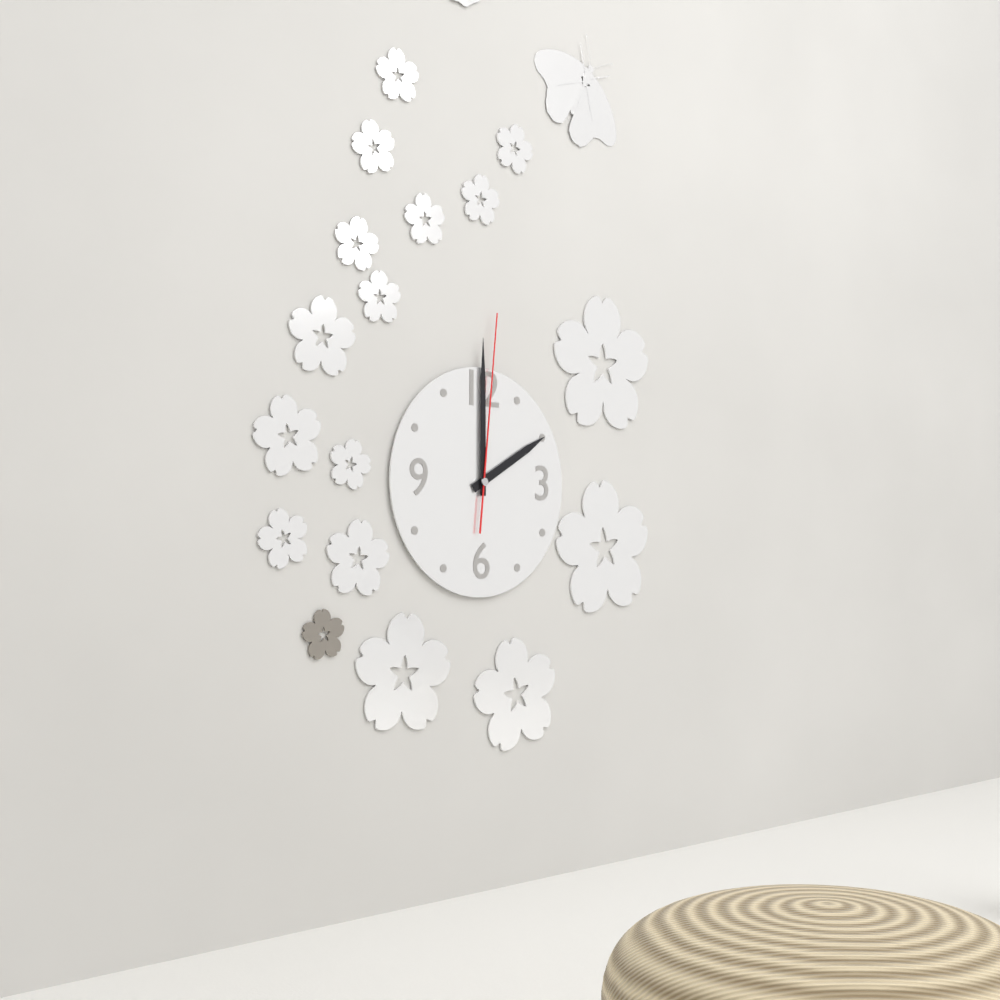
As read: 2:00:01
